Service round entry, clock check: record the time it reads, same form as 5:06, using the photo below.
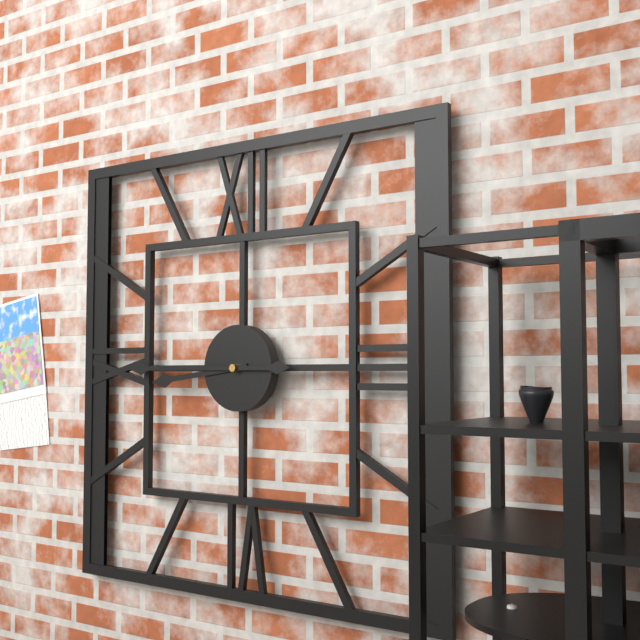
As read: 8:45
